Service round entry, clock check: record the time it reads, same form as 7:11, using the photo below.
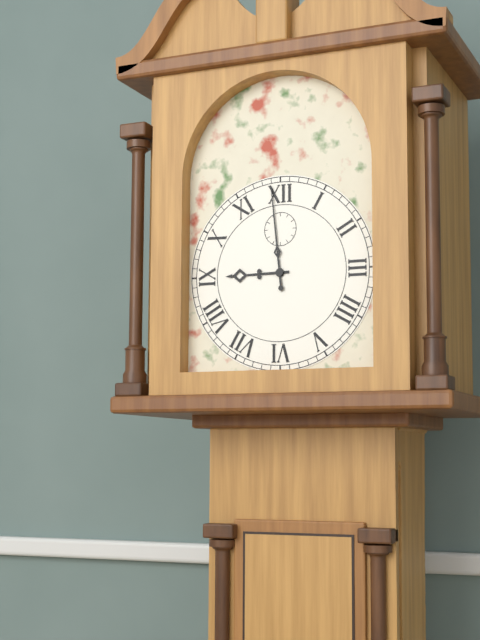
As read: 8:59
